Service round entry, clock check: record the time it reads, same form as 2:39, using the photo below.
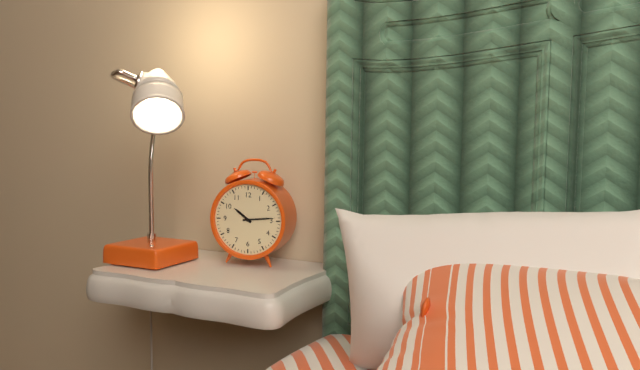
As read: 10:14
